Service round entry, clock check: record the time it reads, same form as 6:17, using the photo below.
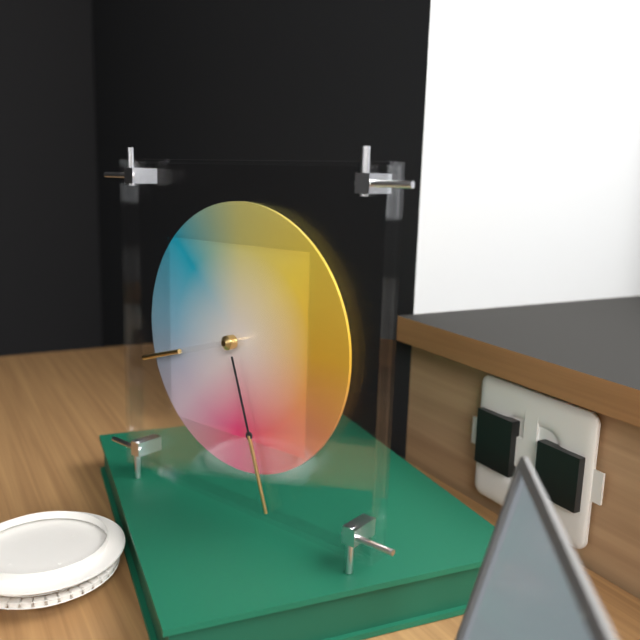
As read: 8:27
